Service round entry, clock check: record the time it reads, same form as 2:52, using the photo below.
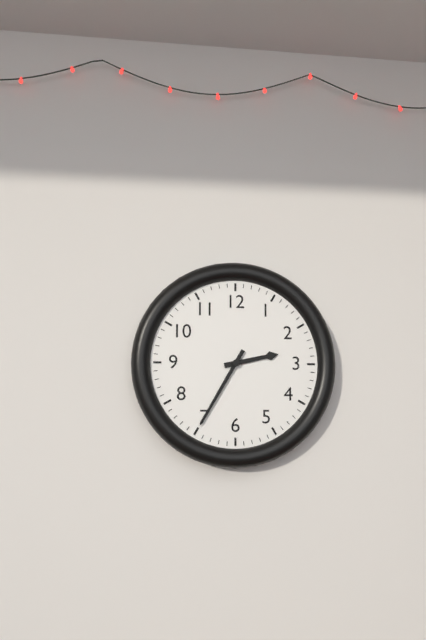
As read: 2:35
